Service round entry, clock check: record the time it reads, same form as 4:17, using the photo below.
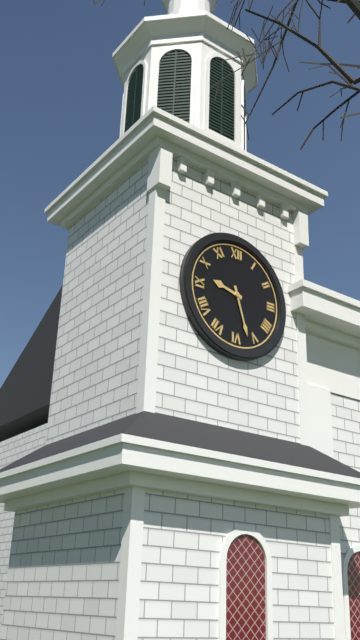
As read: 9:27
